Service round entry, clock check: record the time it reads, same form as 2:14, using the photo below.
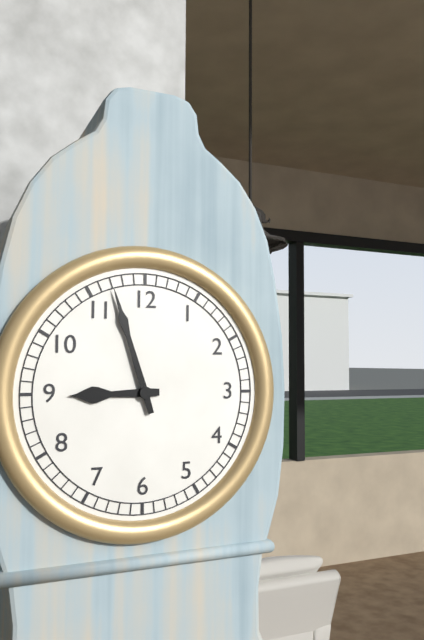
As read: 8:57
